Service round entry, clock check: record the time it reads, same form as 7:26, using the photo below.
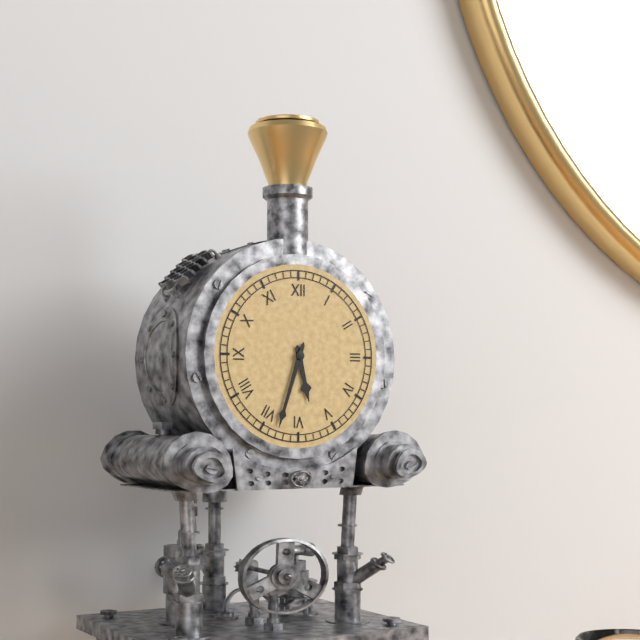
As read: 5:33
